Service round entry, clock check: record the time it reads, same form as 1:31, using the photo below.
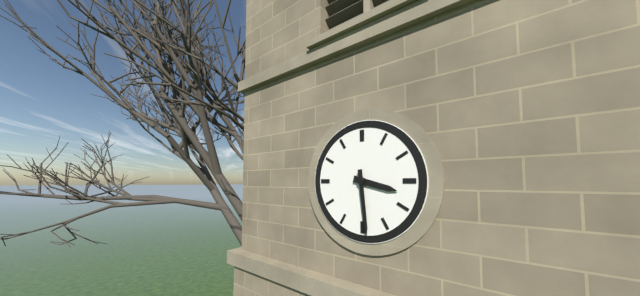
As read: 3:29
